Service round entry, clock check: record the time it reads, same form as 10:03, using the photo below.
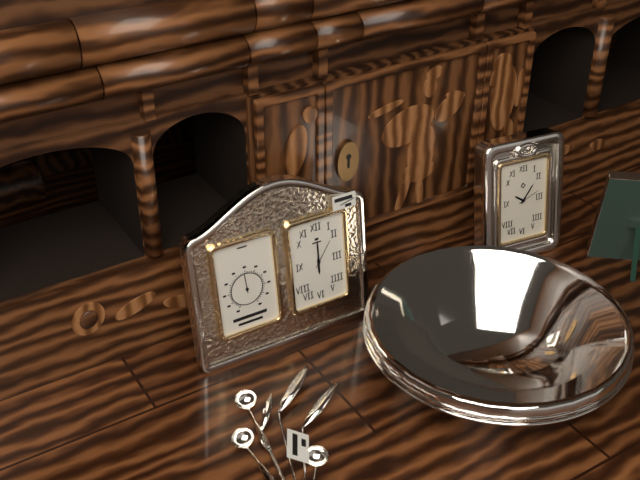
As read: 6:00
